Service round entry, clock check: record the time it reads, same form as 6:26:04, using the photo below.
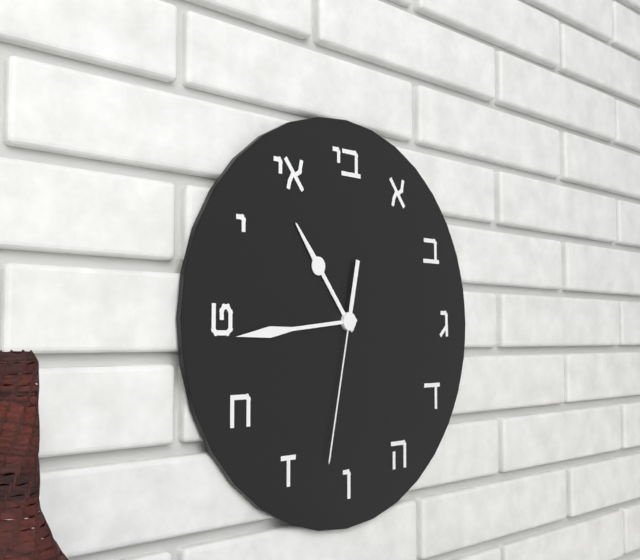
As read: 10:44:32
